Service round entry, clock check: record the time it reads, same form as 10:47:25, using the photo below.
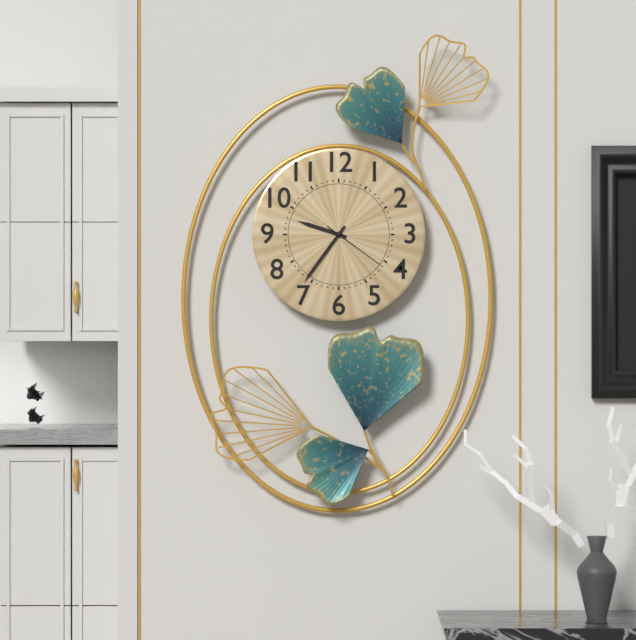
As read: 9:36:21
